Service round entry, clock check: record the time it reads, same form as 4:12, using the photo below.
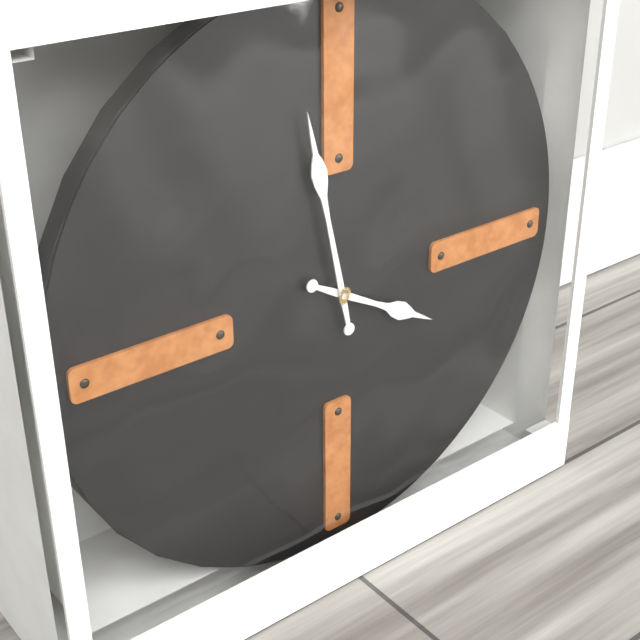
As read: 3:58
